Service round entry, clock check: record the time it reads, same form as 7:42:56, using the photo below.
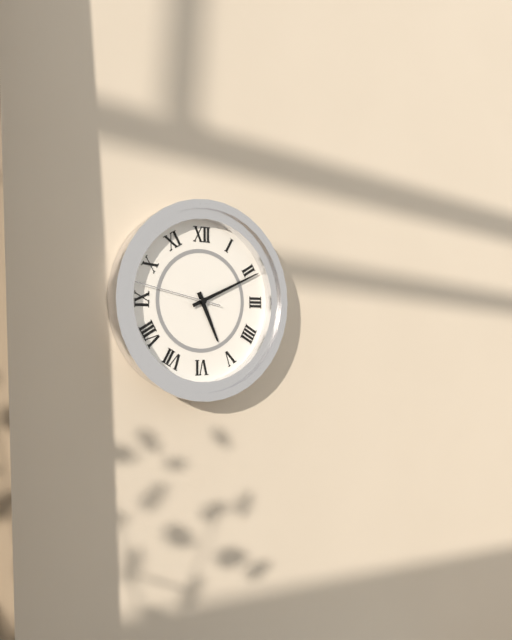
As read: 5:11:47
